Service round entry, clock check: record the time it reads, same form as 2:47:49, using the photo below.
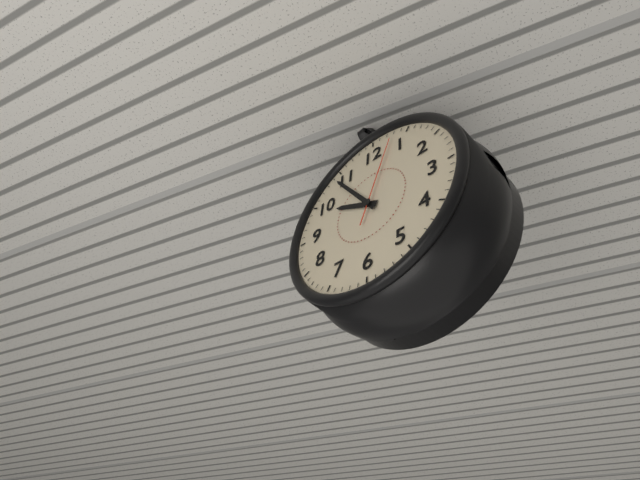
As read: 9:54:03
